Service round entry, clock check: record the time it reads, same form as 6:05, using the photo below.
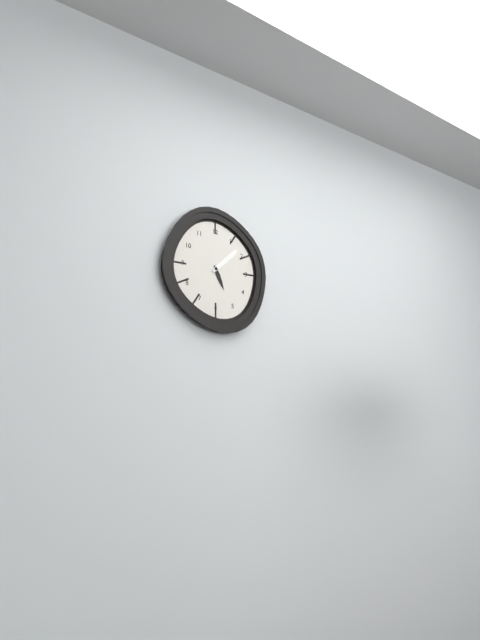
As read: 5:08
